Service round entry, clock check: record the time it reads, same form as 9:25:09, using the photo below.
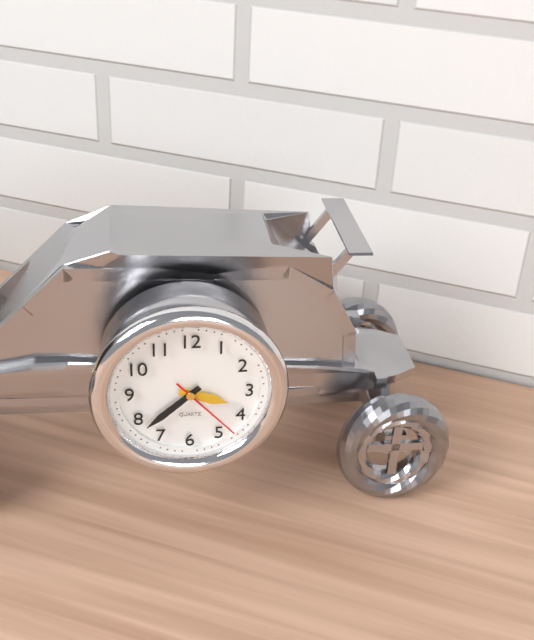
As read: 3:38:23
